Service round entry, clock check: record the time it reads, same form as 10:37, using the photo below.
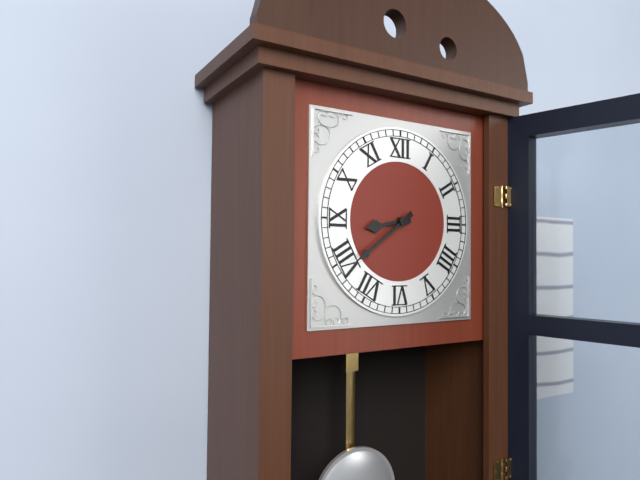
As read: 8:39
